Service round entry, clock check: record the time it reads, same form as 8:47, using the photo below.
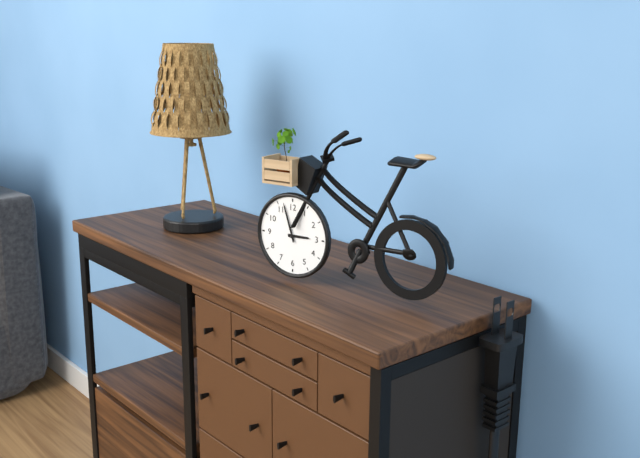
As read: 2:57
